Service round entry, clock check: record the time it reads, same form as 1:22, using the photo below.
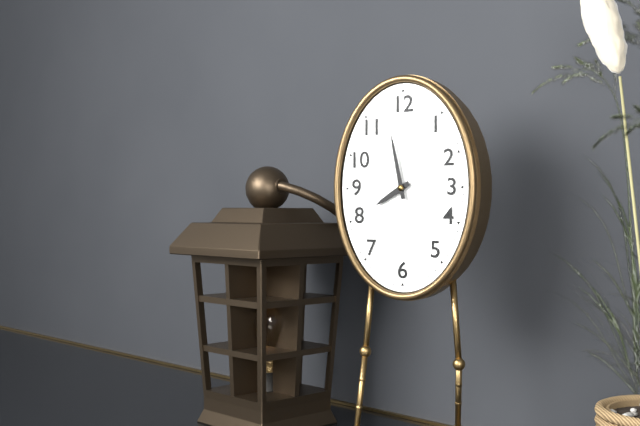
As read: 7:58
